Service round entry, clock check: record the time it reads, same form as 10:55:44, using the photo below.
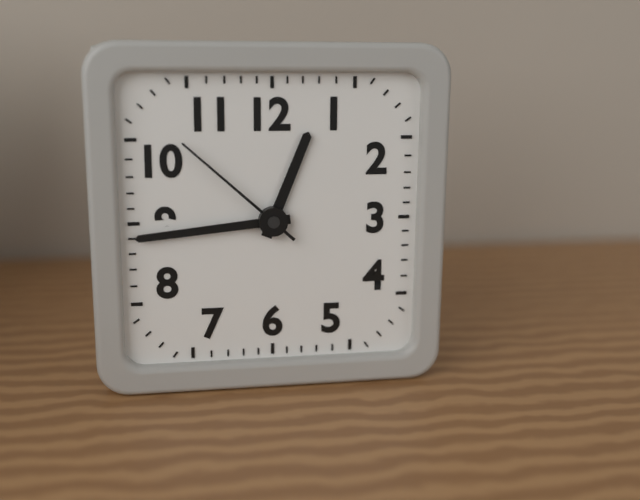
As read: 12:44:52
